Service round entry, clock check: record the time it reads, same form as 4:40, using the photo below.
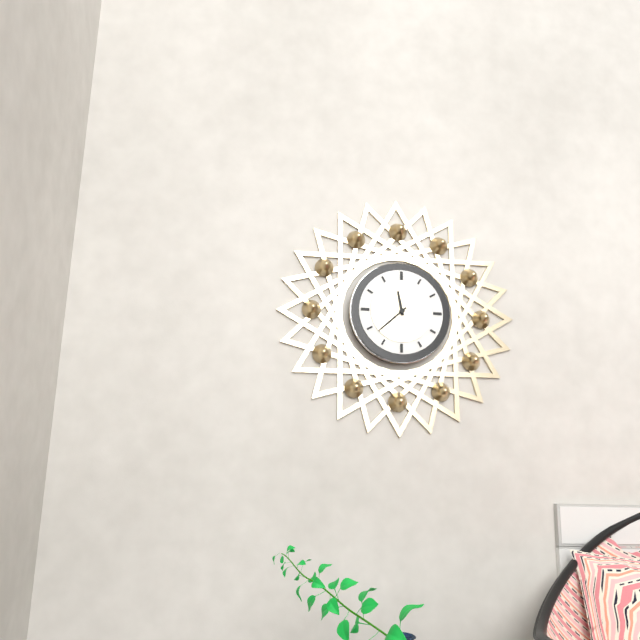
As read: 11:38
